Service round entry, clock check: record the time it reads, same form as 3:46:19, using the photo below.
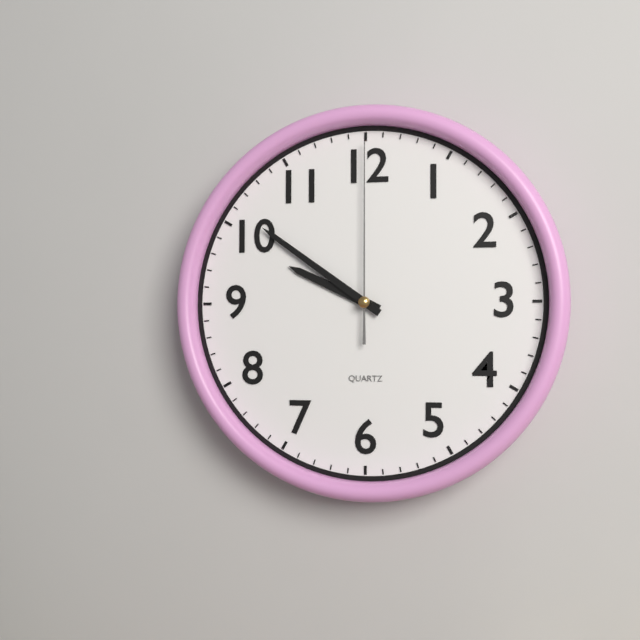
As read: 9:51:00
